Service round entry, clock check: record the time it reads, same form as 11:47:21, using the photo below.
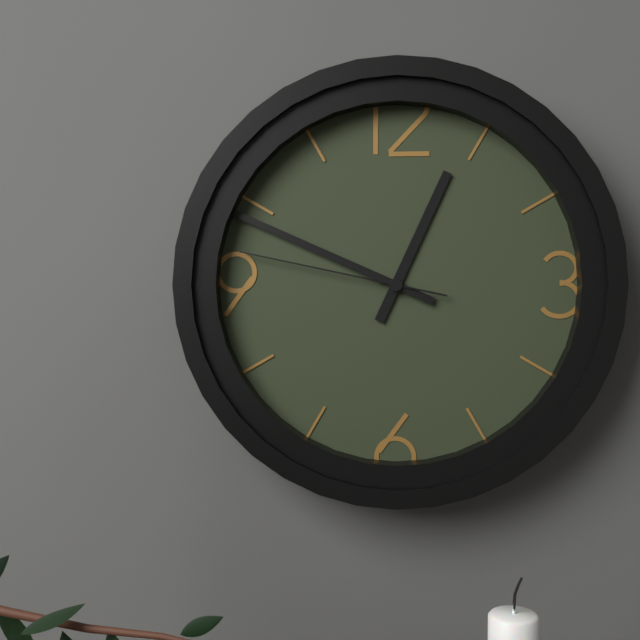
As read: 12:49:47
